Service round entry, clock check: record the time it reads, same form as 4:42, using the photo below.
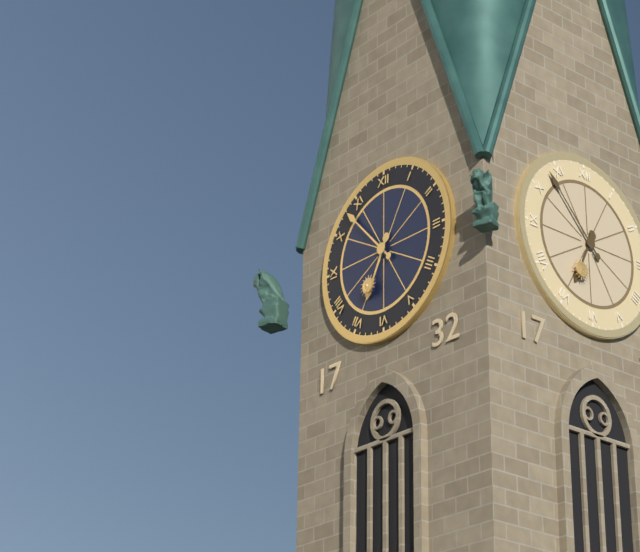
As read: 6:53
